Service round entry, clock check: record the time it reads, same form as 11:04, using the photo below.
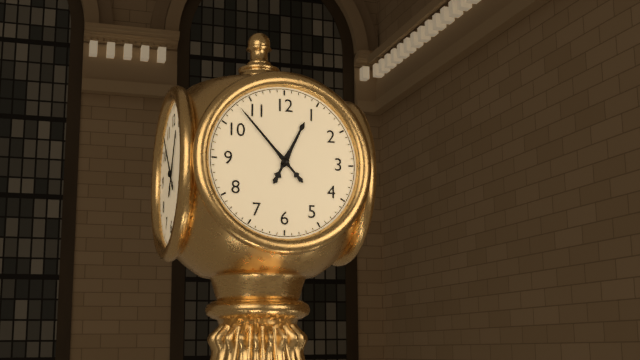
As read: 12:53
